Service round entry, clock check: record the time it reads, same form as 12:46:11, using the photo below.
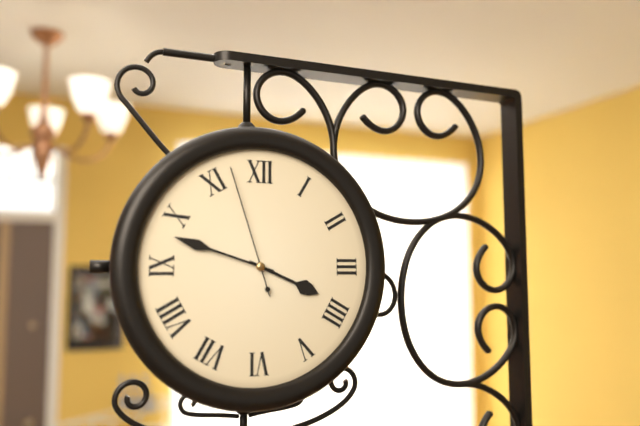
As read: 3:48:57
